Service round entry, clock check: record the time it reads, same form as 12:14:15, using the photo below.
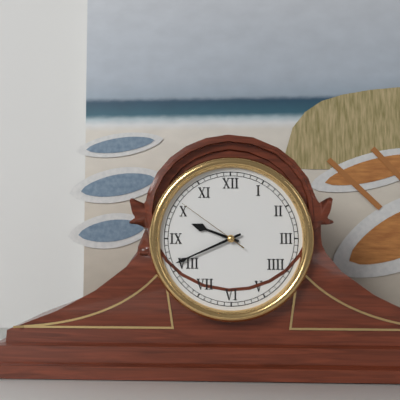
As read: 9:41:51
